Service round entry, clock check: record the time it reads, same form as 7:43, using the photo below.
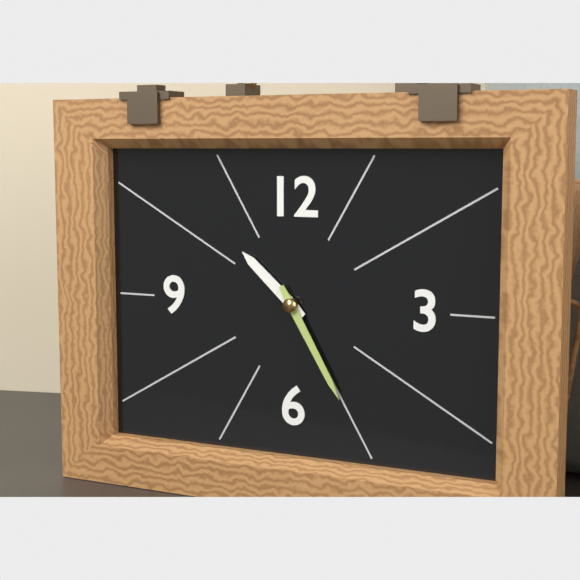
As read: 10:25
